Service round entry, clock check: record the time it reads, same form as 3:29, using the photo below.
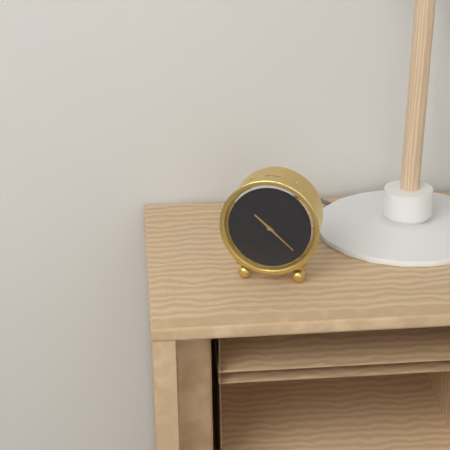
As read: 10:22
